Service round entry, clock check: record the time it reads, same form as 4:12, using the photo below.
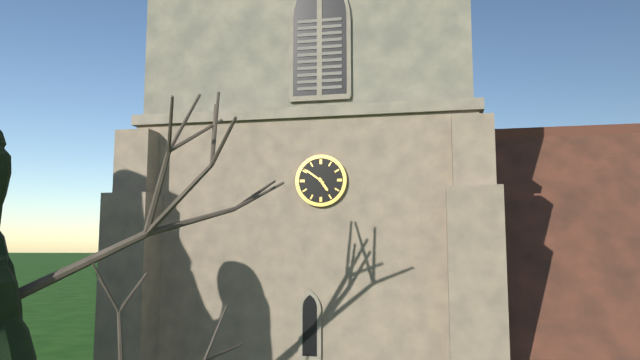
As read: 4:51
